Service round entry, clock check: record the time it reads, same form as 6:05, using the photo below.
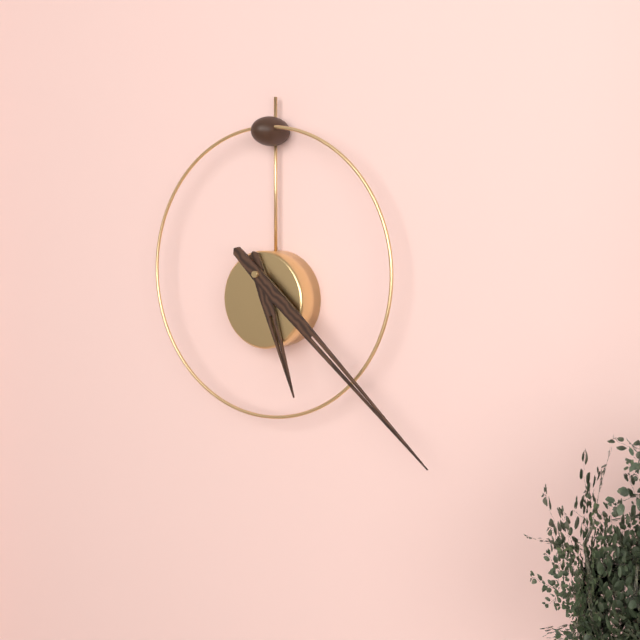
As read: 5:22
